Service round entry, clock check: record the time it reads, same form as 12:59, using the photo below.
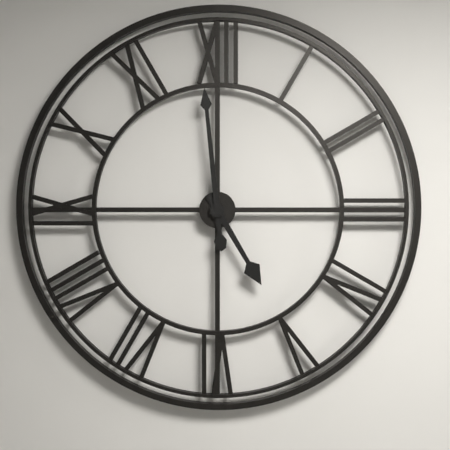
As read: 4:59
